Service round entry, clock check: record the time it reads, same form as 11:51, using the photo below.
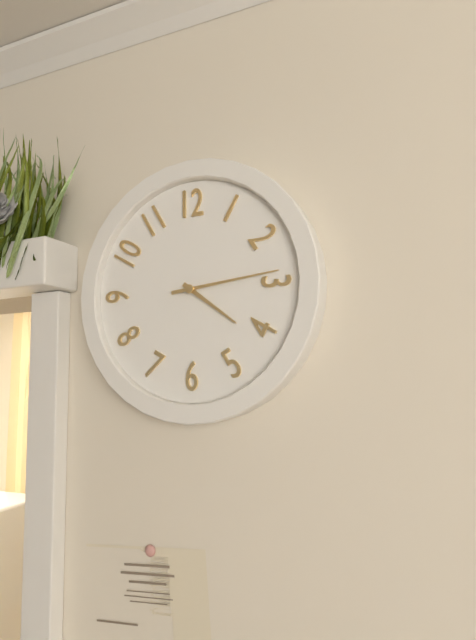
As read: 4:14
